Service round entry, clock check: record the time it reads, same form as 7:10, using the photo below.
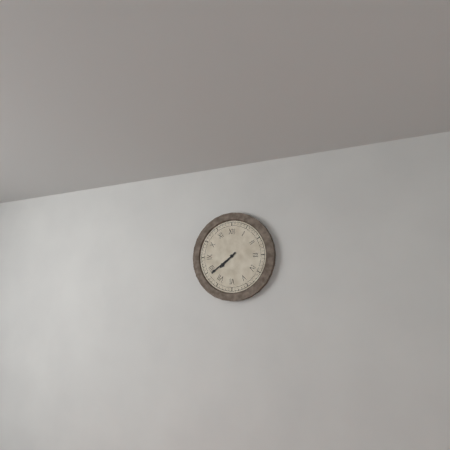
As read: 7:39
